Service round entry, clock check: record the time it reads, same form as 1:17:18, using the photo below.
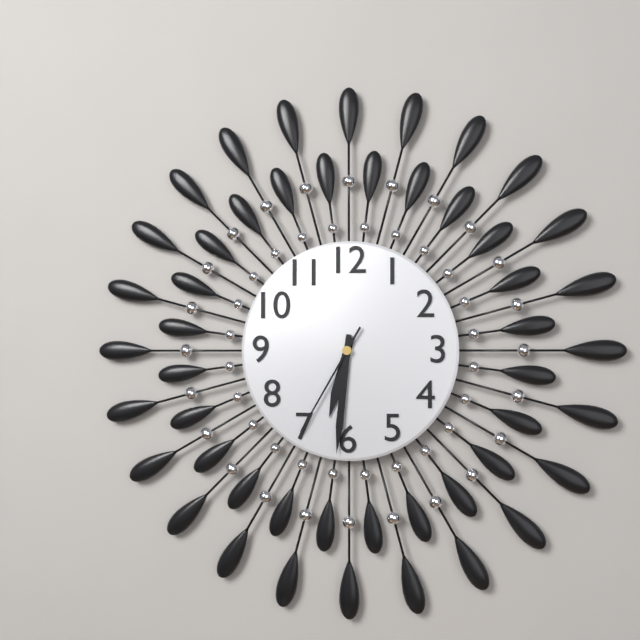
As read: 6:31:35
